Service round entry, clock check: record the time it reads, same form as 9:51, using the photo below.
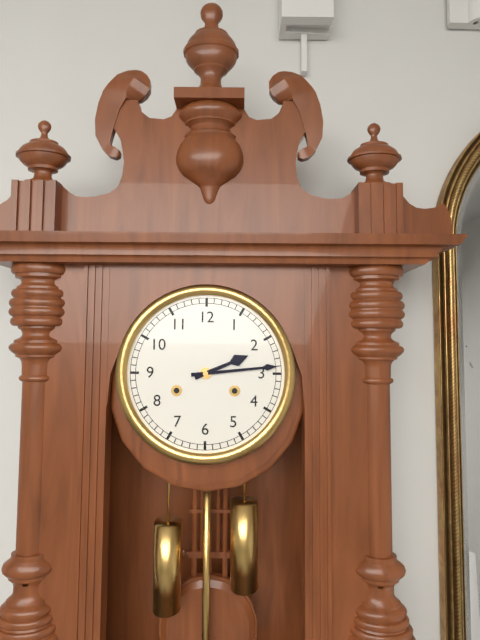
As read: 2:14
